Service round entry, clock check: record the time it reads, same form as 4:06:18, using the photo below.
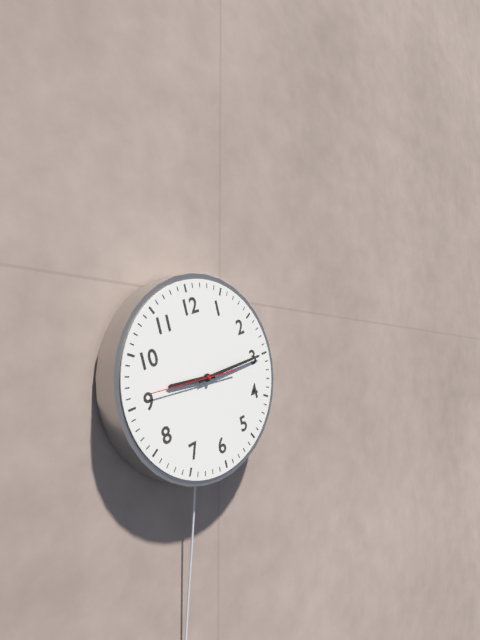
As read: 9:15:46
